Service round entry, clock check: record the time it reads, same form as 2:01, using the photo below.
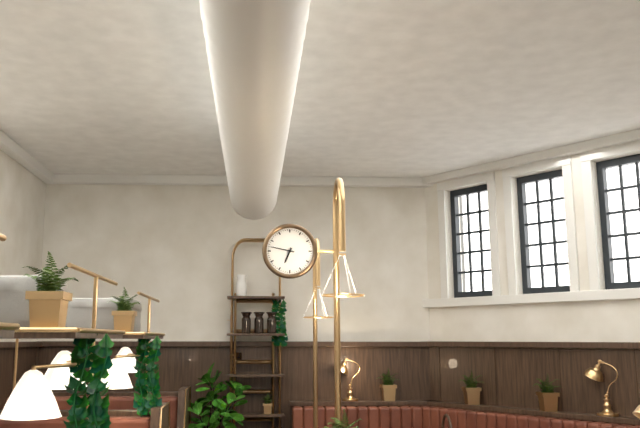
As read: 6:47
